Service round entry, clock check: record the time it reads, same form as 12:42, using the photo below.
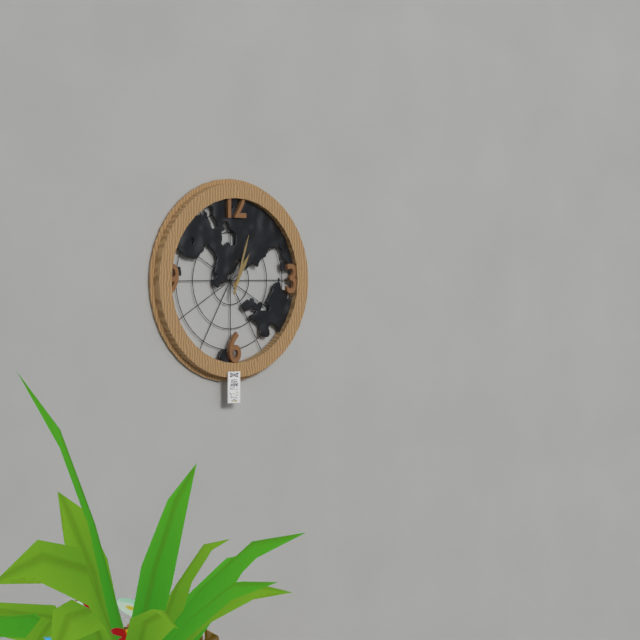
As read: 1:03
